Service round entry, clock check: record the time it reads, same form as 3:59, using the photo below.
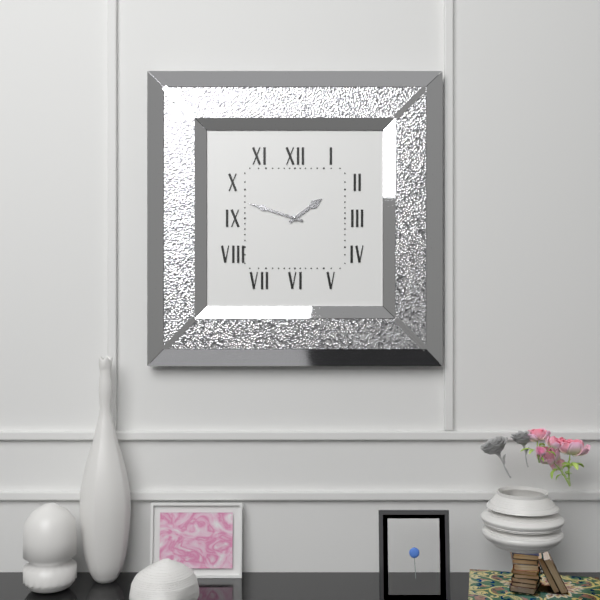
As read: 1:48
